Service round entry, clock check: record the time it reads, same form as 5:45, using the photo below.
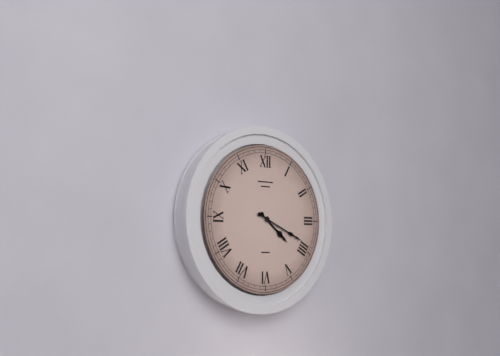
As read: 4:19
